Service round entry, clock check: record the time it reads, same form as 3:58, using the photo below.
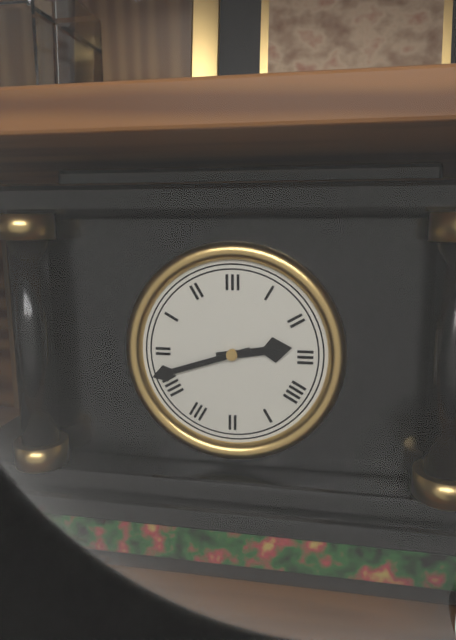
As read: 2:42
